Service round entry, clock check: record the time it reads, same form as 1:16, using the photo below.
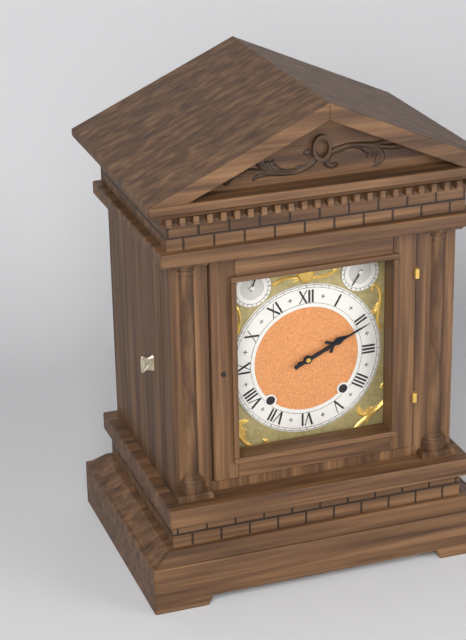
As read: 2:11
